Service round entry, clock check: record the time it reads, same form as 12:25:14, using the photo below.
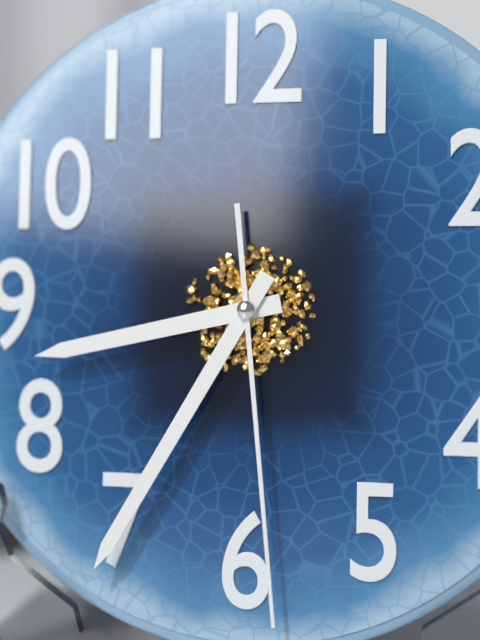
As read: 8:35:29
